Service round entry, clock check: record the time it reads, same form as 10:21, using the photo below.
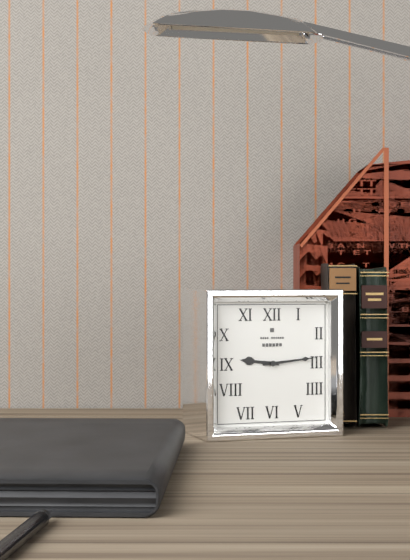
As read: 9:14
